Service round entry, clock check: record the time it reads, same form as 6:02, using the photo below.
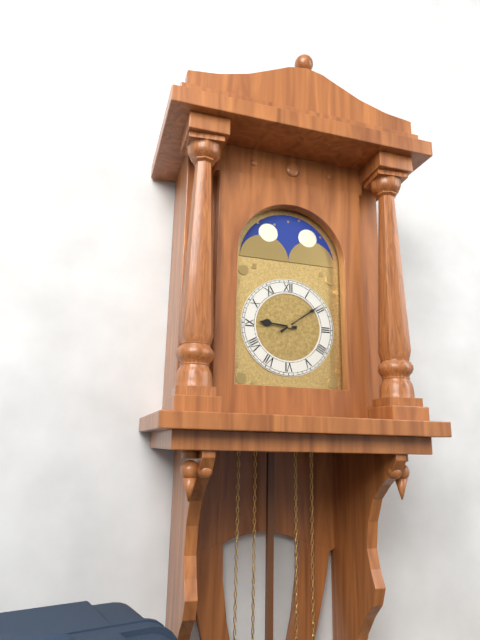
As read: 9:09
